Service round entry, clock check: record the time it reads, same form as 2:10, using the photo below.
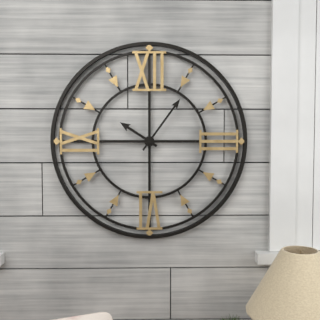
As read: 10:06
